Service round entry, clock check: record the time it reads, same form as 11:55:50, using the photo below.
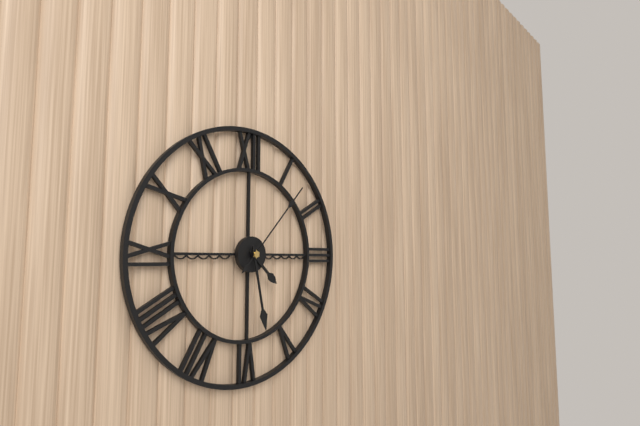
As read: 4:28:07
